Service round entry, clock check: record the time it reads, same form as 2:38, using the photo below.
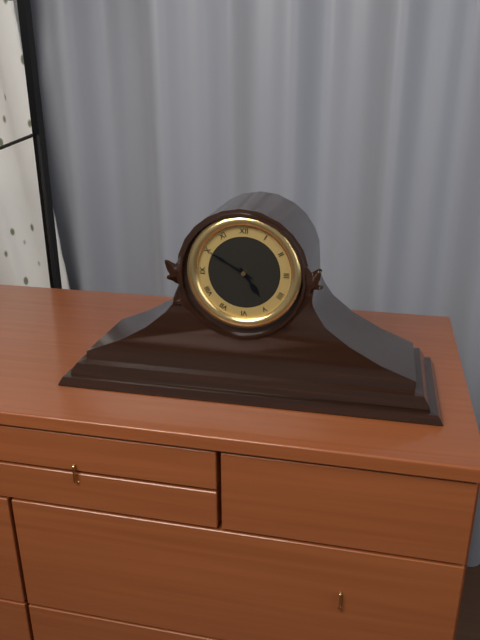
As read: 4:50
